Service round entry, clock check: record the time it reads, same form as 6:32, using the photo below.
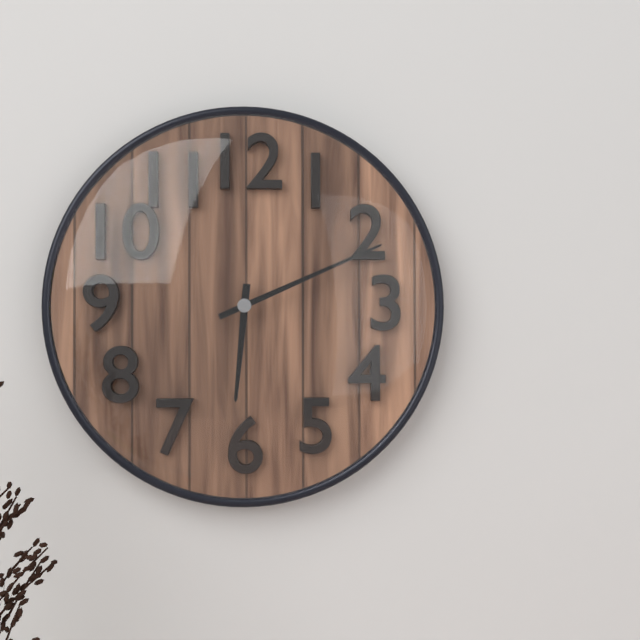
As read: 6:11
